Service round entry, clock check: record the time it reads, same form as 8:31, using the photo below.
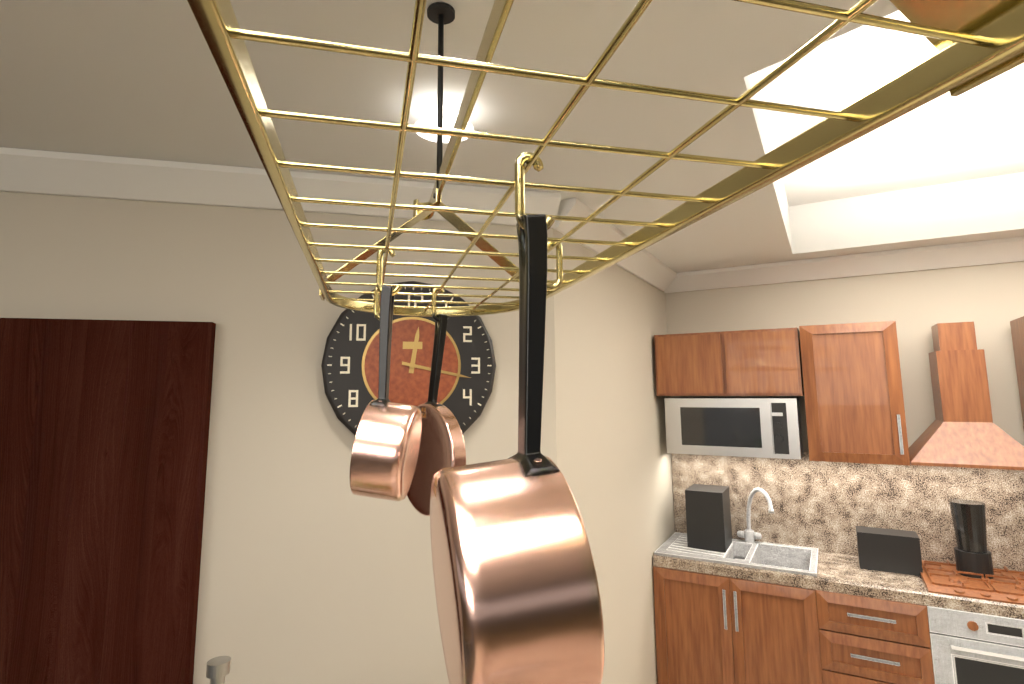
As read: 12:17
